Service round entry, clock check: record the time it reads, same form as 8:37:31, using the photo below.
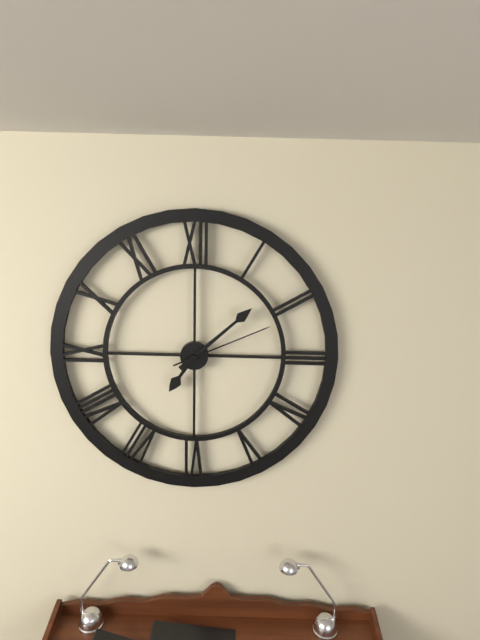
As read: 7:08:11
